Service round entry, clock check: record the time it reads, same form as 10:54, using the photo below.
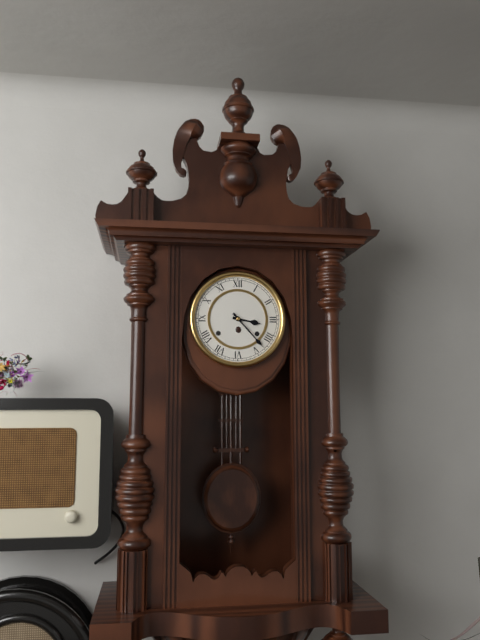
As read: 3:23
